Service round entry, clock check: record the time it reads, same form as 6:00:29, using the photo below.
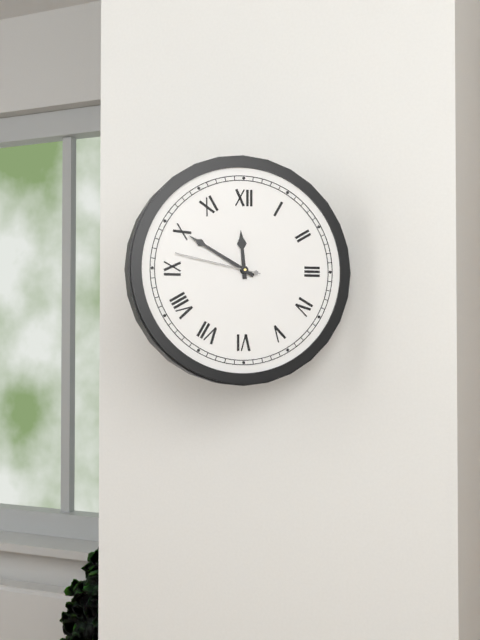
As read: 11:50:47
